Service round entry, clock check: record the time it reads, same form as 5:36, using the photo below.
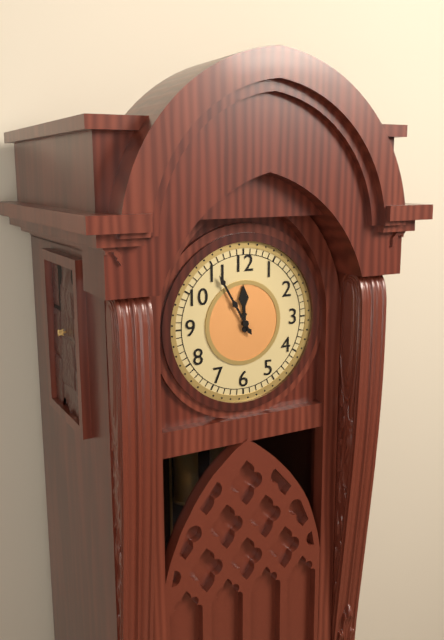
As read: 11:55
